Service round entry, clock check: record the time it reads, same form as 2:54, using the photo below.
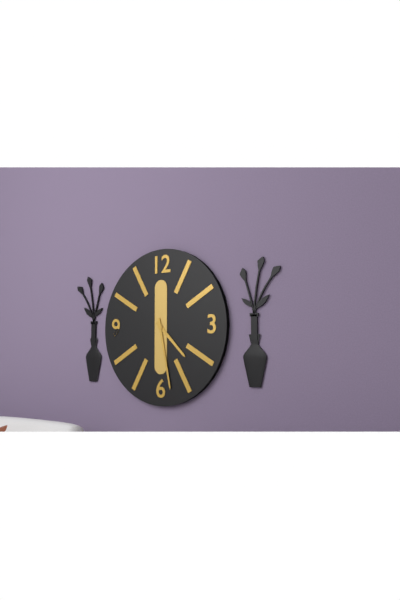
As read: 4:28
